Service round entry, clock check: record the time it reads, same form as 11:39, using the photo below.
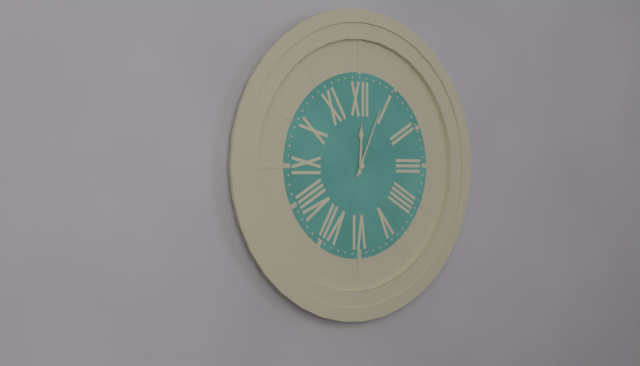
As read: 12:04
